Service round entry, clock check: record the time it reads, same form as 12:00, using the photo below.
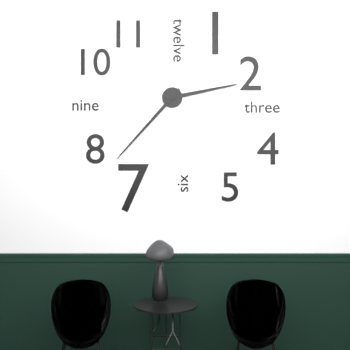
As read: 2:37
